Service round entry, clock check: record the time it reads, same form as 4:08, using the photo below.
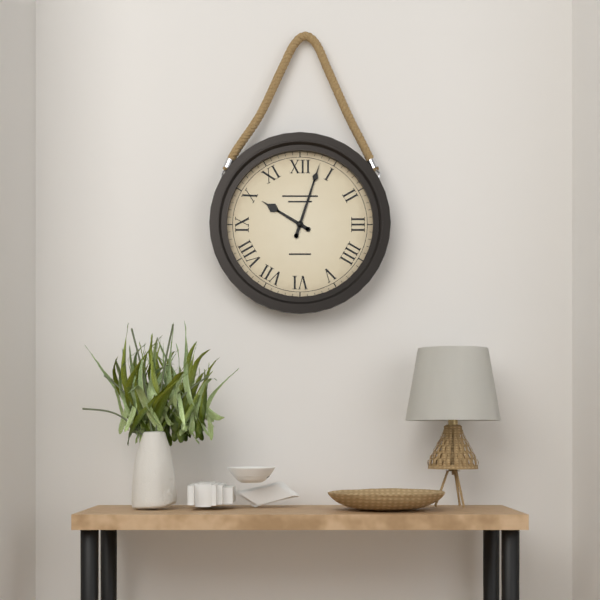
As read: 10:03
